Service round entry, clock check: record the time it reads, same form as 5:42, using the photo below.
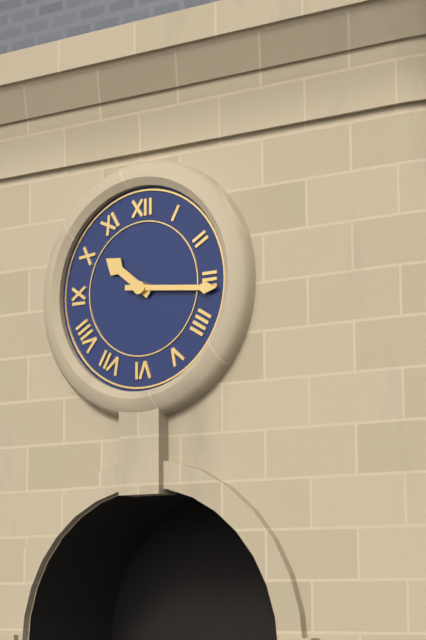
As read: 10:16
